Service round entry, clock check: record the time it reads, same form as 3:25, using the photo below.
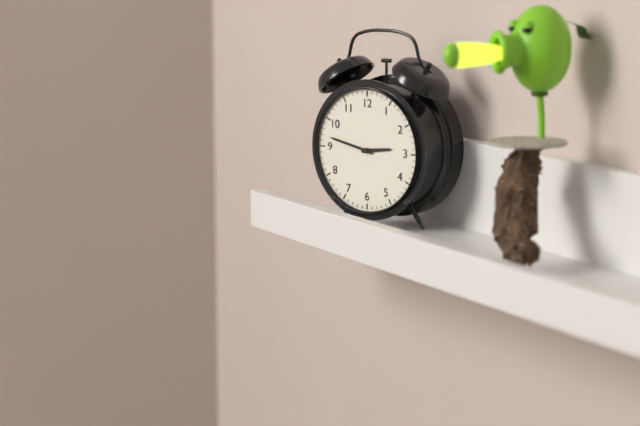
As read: 2:47
